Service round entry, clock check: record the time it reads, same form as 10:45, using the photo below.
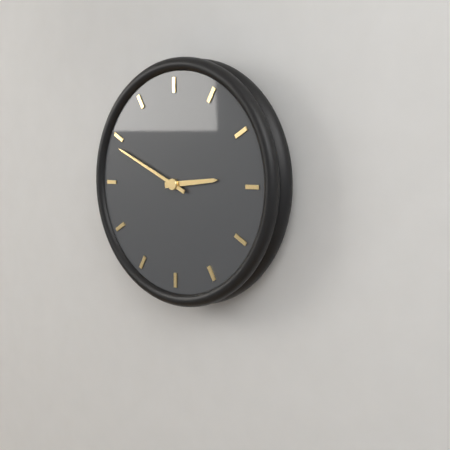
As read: 2:49
